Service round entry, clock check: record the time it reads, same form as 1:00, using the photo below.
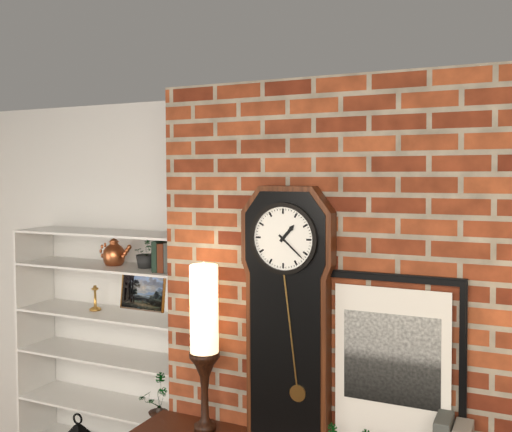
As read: 1:22
